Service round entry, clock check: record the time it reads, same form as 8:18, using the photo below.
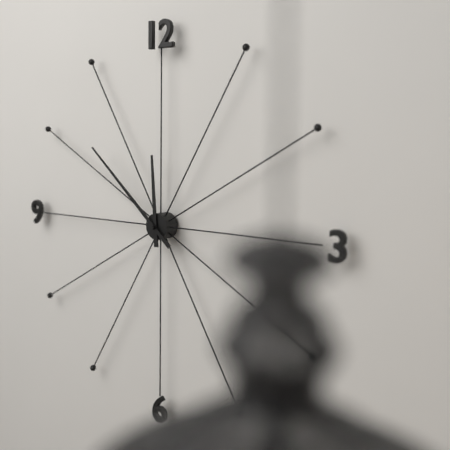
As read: 11:52
